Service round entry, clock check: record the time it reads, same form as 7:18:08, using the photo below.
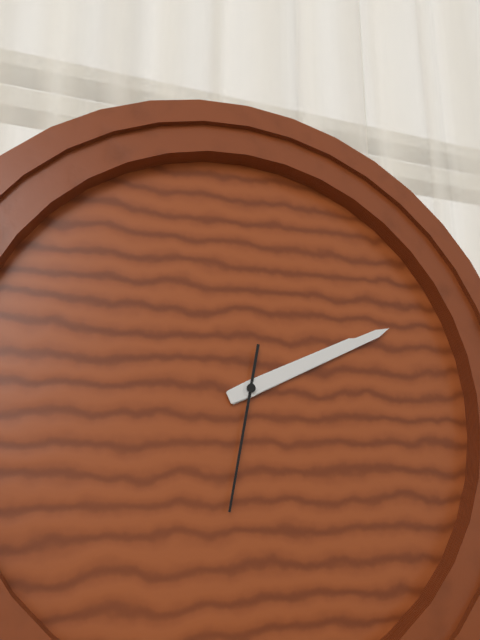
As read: 2:11:32
